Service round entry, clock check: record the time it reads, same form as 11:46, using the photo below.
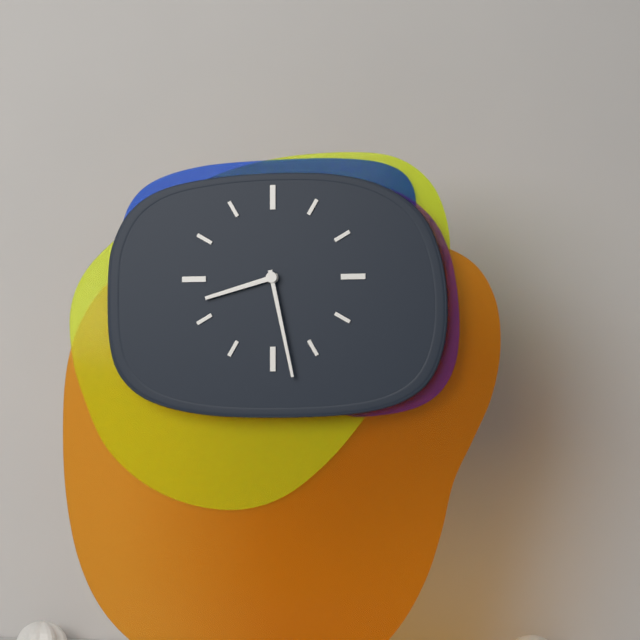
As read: 8:28
